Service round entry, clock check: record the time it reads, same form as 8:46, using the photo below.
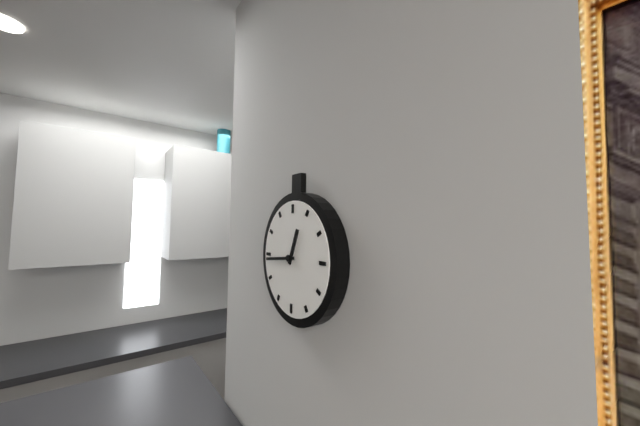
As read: 12:44
